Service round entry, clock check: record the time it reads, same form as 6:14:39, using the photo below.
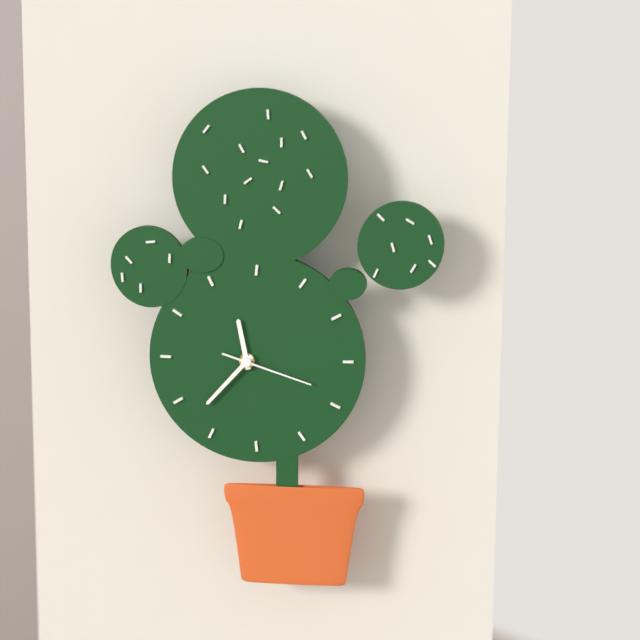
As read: 11:37:18
